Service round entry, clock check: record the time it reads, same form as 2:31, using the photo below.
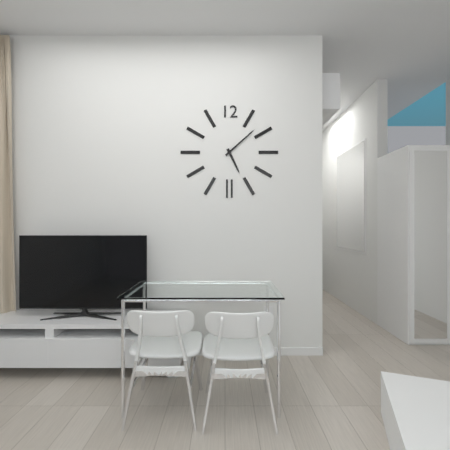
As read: 5:08
